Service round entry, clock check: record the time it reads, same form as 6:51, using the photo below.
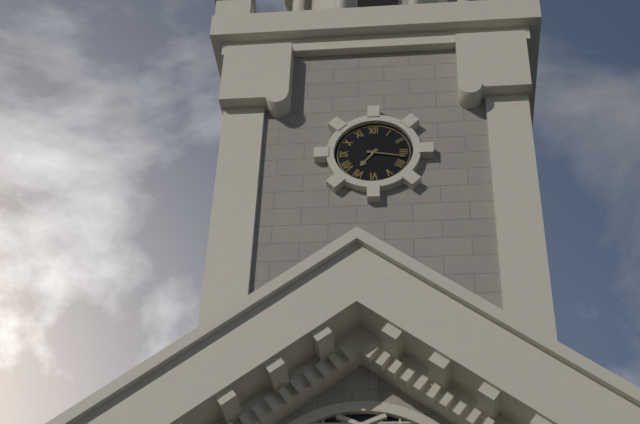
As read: 7:17
